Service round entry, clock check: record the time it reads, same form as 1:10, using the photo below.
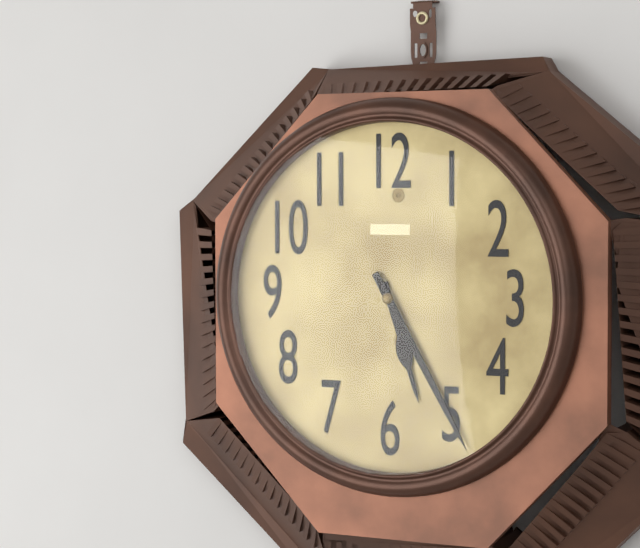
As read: 5:25
